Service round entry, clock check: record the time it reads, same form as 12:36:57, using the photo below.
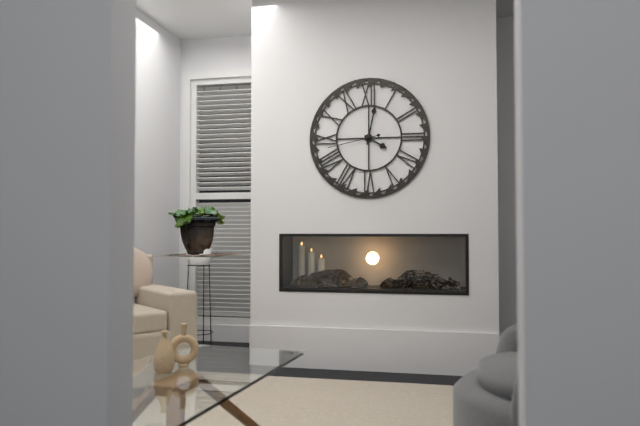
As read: 4:02:43
